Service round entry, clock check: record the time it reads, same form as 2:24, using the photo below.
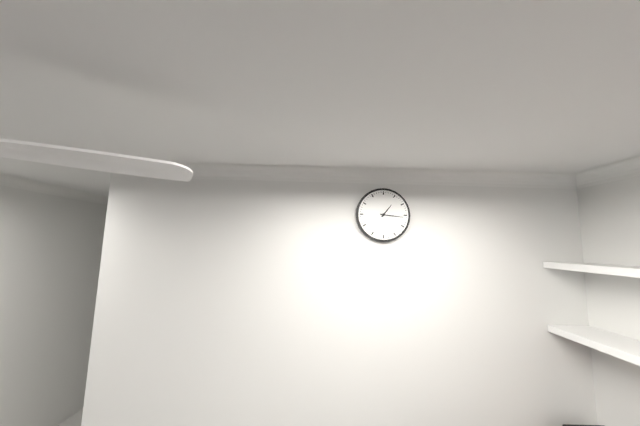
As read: 1:16
